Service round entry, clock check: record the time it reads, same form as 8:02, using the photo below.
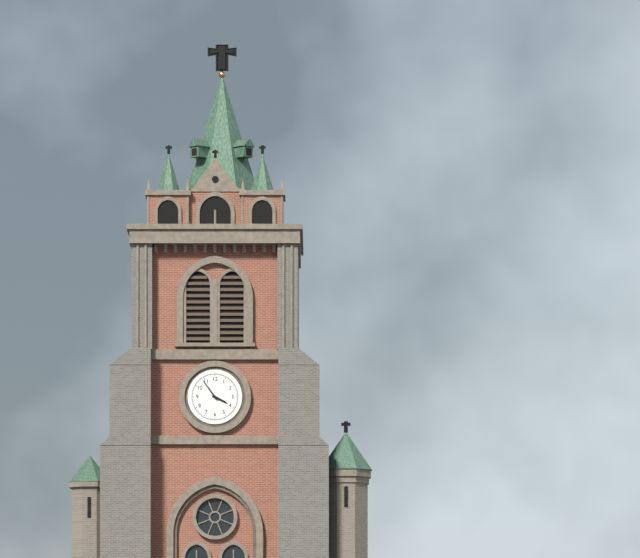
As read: 3:54
